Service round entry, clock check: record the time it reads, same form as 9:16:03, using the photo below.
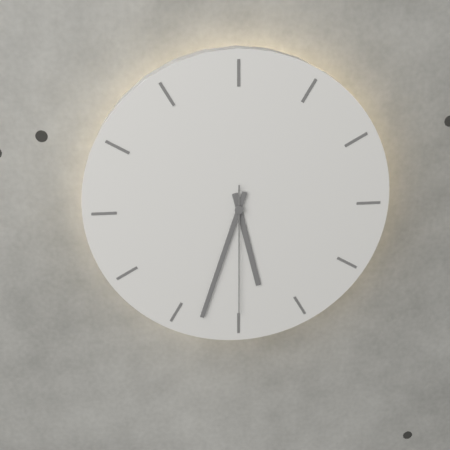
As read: 5:33:30
